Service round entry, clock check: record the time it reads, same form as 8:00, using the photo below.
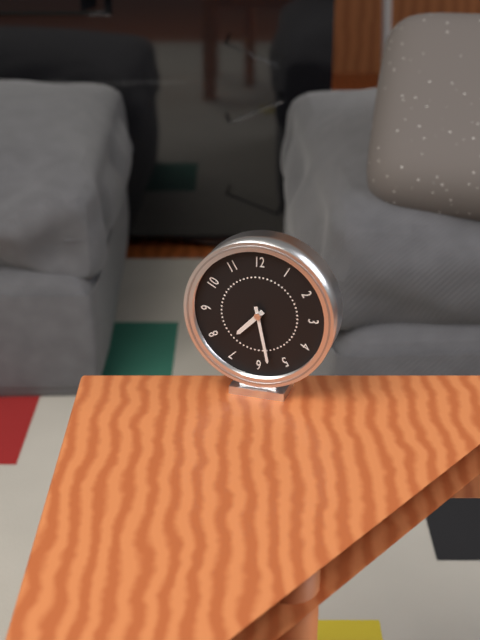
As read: 7:28
